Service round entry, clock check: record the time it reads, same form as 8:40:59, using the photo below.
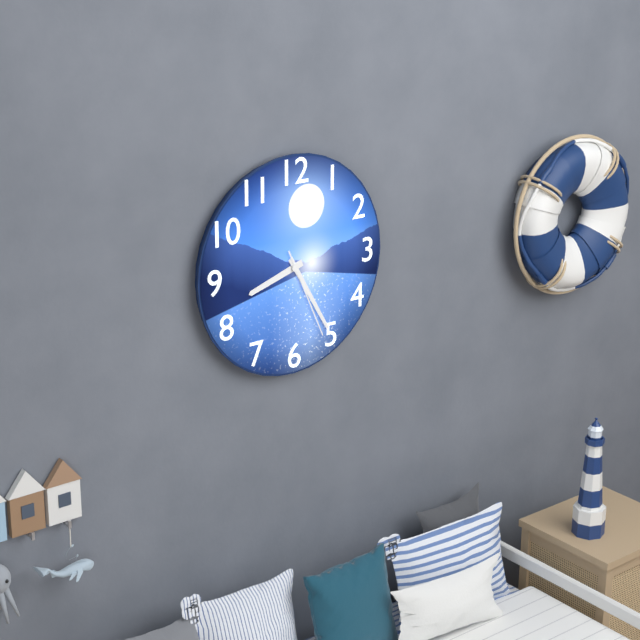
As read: 8:25:26
